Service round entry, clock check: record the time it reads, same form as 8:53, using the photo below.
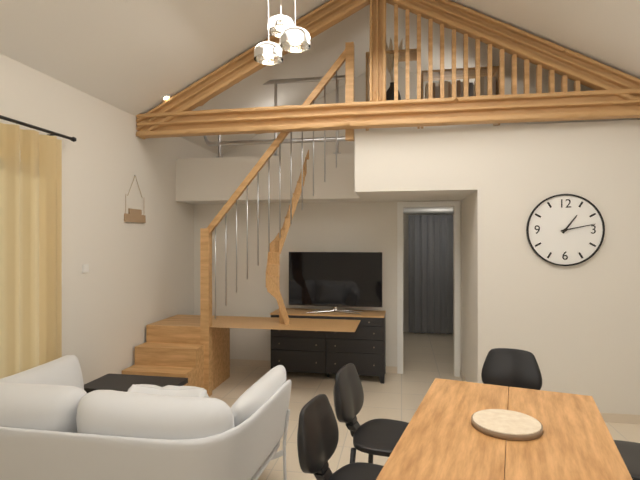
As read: 1:13
